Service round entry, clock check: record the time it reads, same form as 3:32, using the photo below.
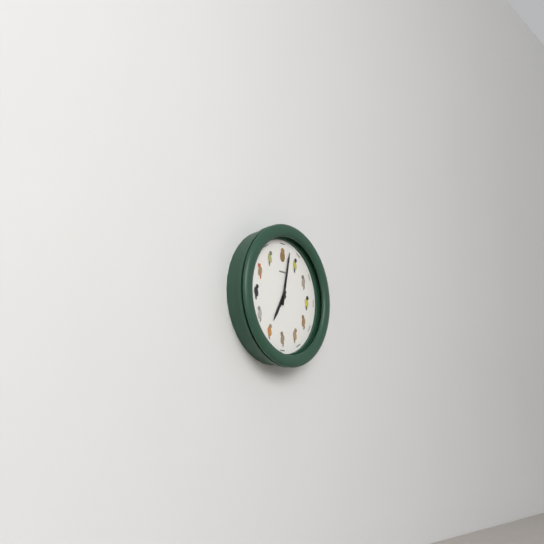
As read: 7:02
